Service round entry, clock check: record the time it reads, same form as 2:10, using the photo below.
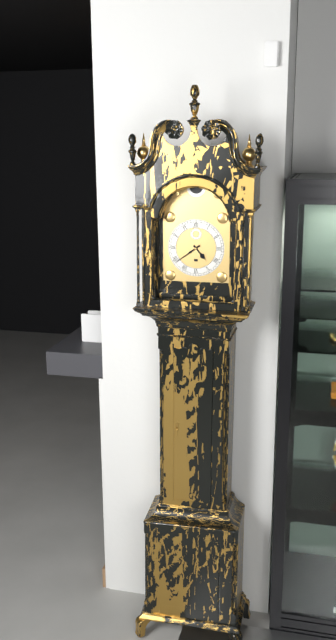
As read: 4:39
